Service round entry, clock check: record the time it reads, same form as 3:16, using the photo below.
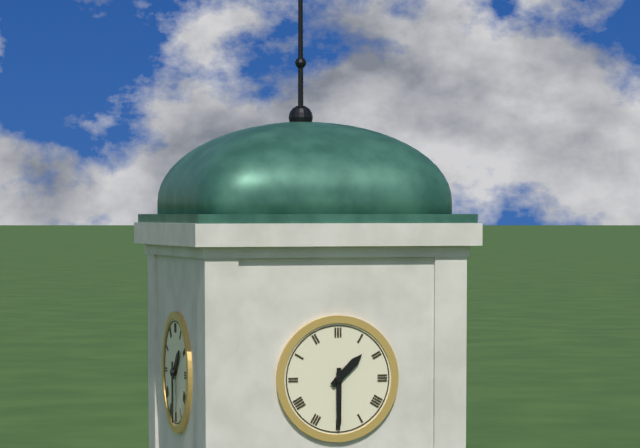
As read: 1:30
